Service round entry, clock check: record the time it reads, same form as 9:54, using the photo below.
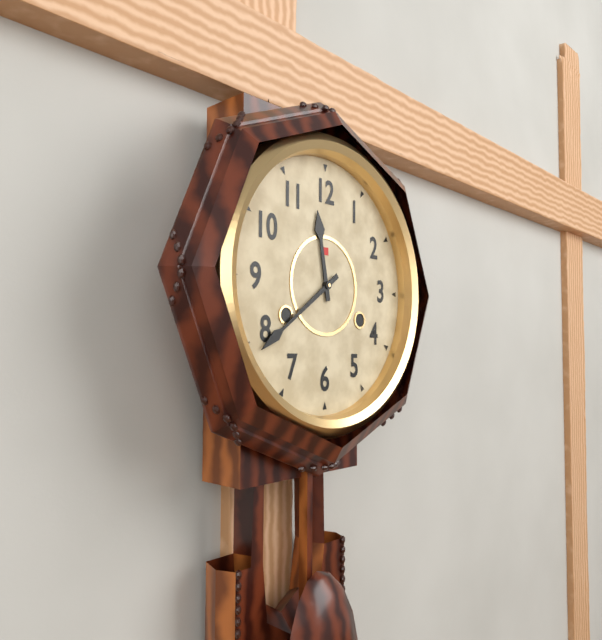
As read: 11:39
